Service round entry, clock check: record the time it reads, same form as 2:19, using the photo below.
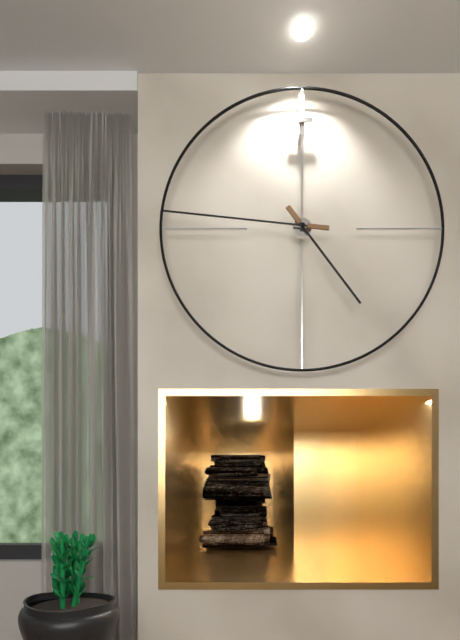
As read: 4:46
